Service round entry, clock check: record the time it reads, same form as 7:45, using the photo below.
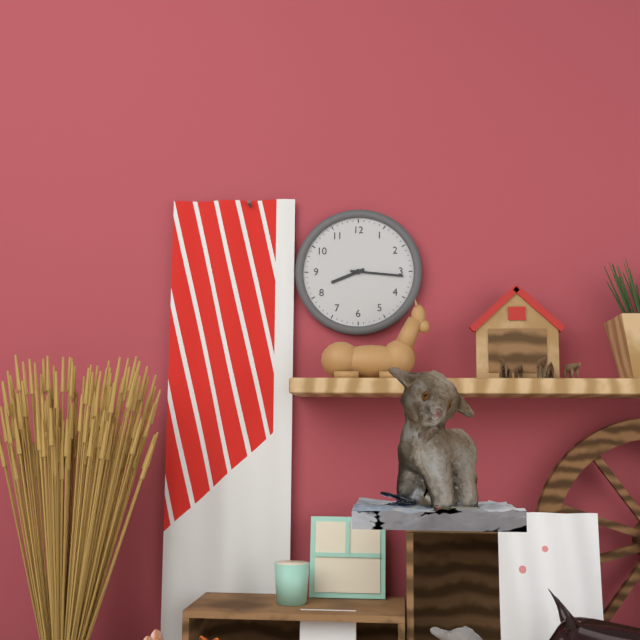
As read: 8:16
